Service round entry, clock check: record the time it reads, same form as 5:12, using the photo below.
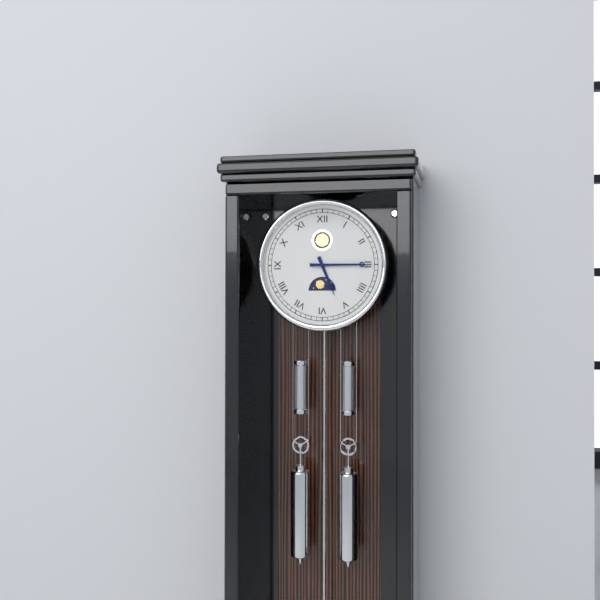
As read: 5:15
